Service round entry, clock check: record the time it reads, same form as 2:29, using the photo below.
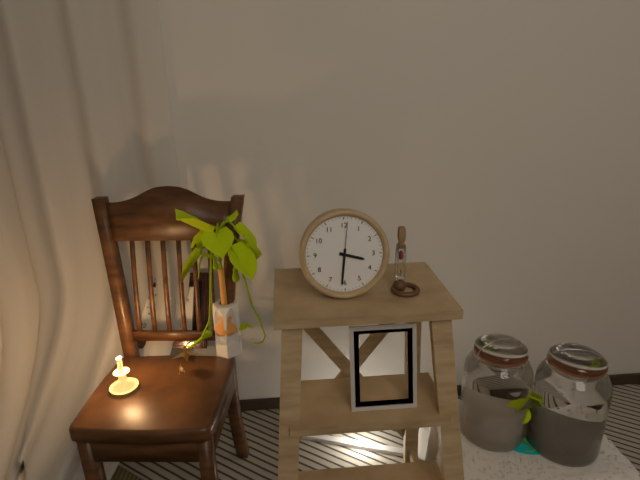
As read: 3:31
